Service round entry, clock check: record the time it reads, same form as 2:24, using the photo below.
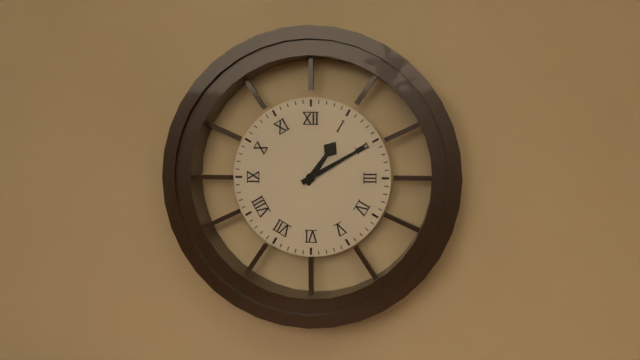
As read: 1:10
